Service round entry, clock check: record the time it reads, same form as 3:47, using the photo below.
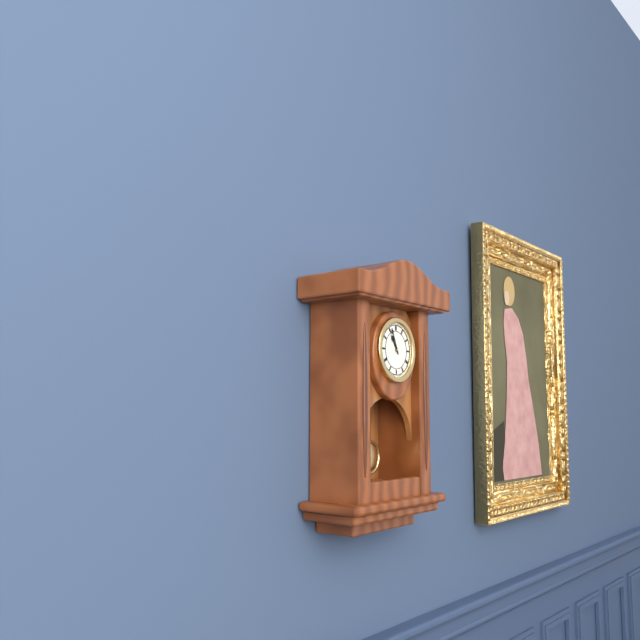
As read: 10:56
